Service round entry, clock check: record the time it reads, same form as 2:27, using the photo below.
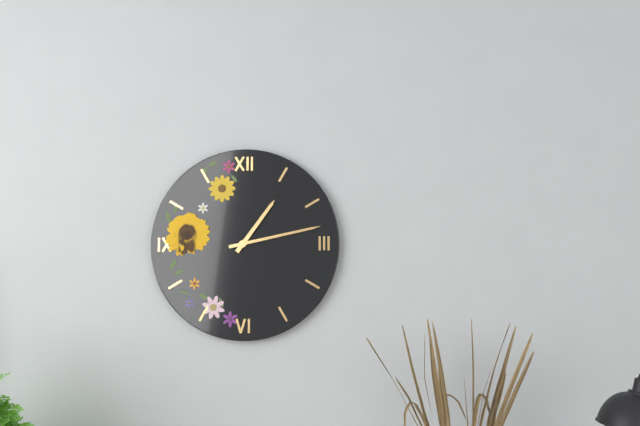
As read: 1:13
